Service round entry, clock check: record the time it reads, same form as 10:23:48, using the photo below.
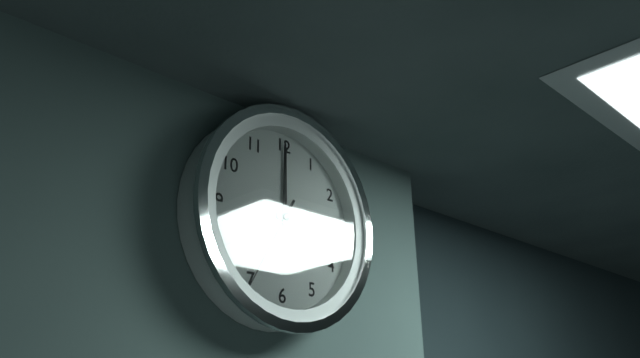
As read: 3:00:35
